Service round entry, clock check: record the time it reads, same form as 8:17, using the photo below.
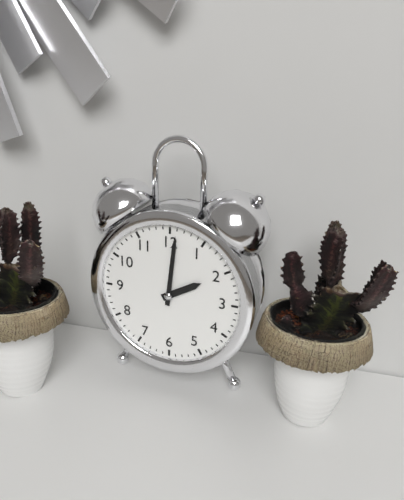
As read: 2:01
